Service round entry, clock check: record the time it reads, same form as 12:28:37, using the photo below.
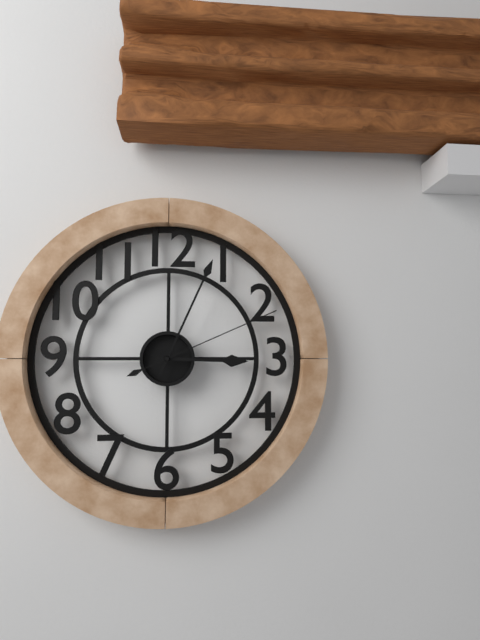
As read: 3:04:11
